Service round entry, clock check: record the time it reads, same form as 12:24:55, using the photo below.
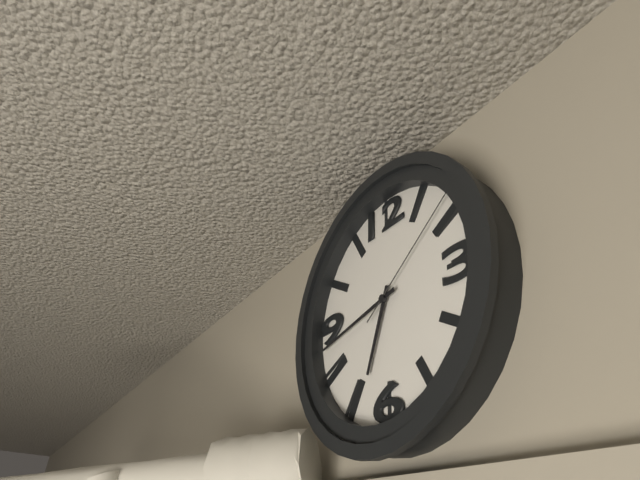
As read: 6:43:09
